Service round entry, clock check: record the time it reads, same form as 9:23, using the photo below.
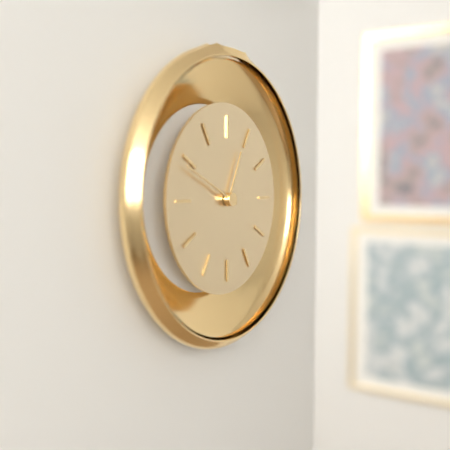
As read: 12:49
